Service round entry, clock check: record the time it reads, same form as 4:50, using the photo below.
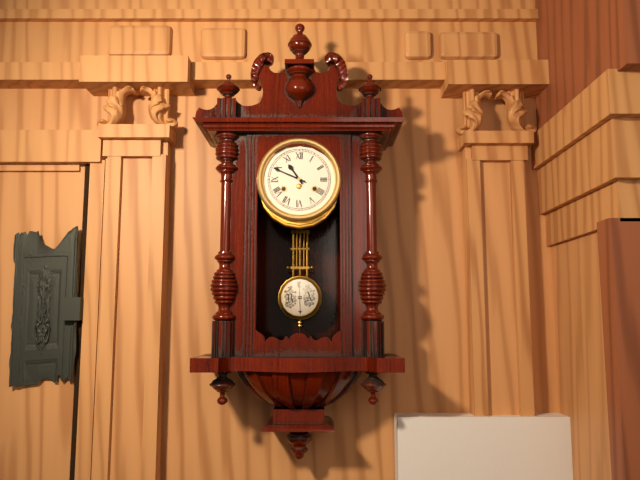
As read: 10:49
